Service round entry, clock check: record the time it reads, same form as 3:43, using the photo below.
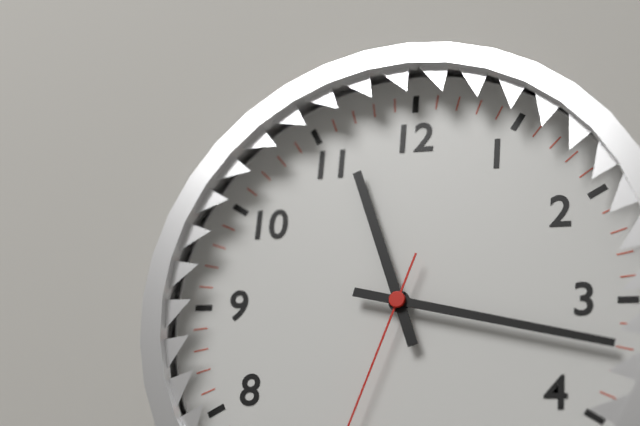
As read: 11:17
